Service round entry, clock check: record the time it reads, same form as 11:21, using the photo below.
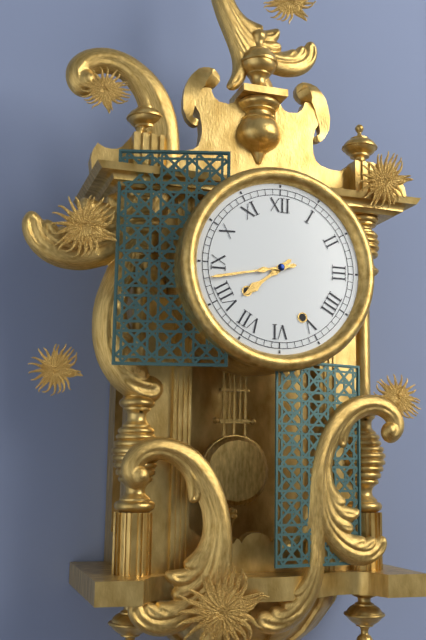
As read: 7:43
